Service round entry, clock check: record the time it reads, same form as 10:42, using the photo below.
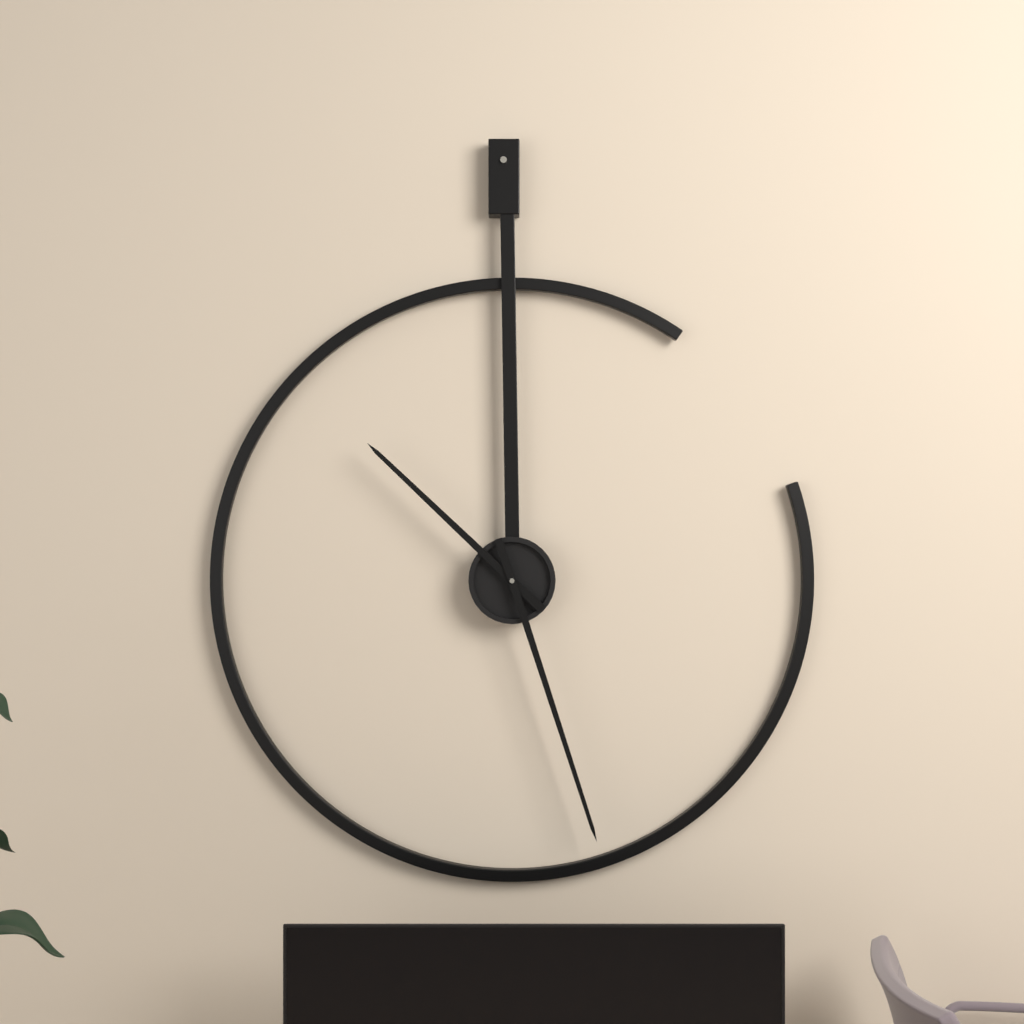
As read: 10:27
